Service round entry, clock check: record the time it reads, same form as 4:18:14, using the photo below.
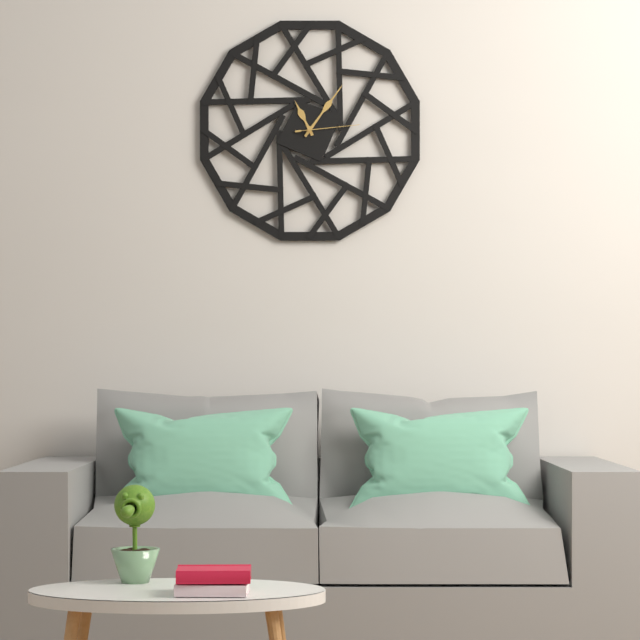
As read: 11:06:14
